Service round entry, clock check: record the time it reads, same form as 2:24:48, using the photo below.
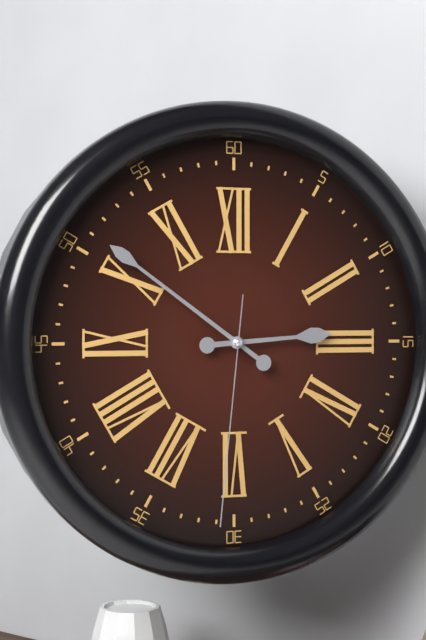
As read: 2:51:31
